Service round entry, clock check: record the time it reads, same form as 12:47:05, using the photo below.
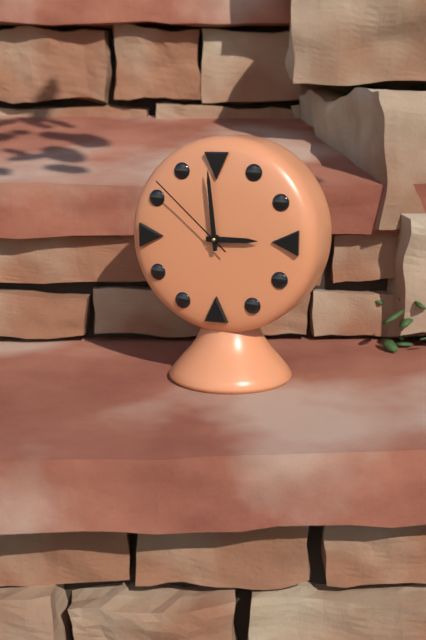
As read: 2:59:52
